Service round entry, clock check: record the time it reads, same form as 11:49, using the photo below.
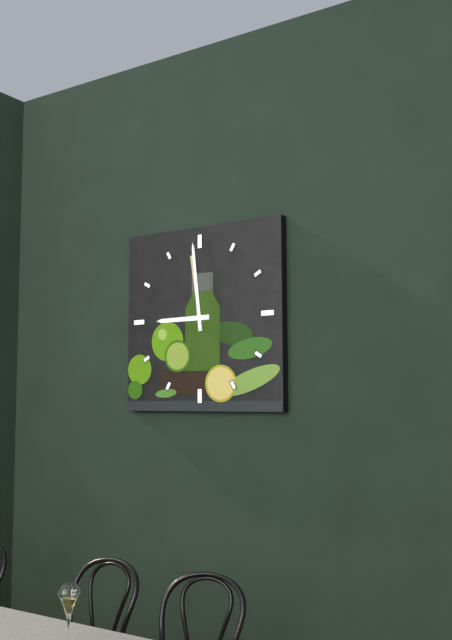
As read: 8:59
